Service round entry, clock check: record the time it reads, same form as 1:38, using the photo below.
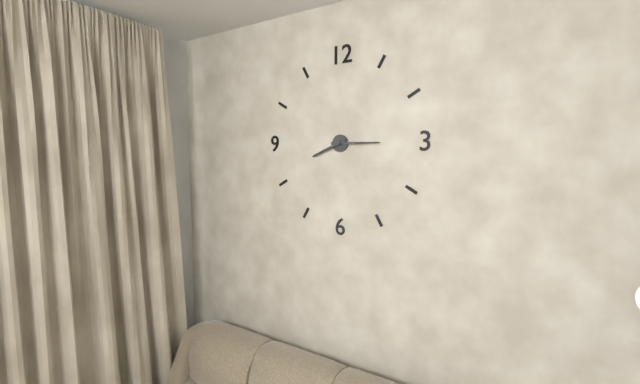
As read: 8:15
